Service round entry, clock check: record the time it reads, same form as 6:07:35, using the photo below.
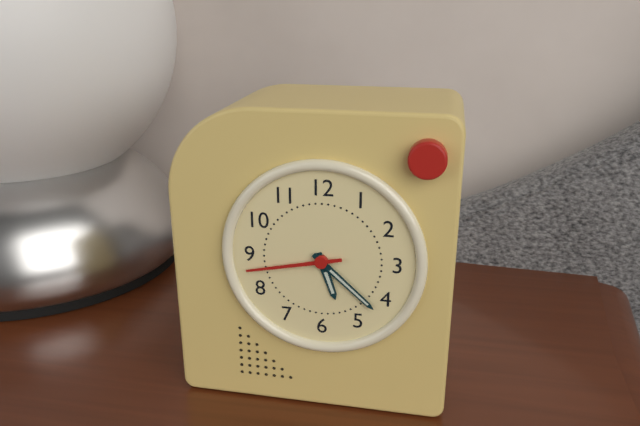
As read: 5:22:43
